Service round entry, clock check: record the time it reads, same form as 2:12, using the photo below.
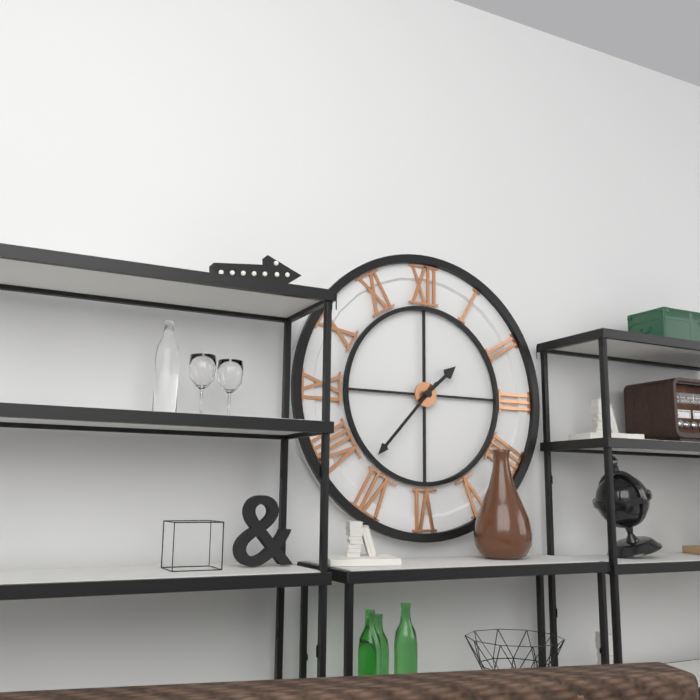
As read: 1:37
